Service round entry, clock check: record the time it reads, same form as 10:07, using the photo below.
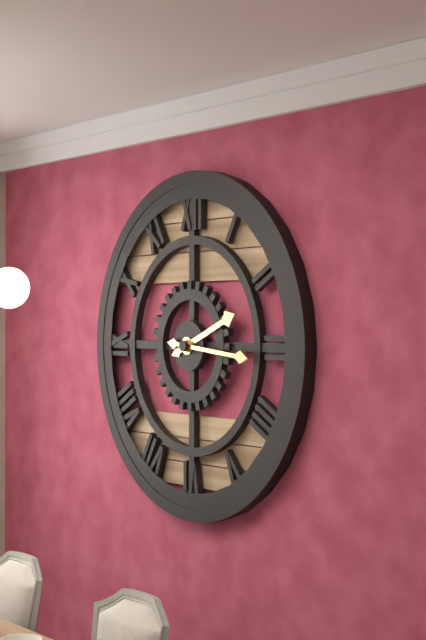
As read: 2:16
